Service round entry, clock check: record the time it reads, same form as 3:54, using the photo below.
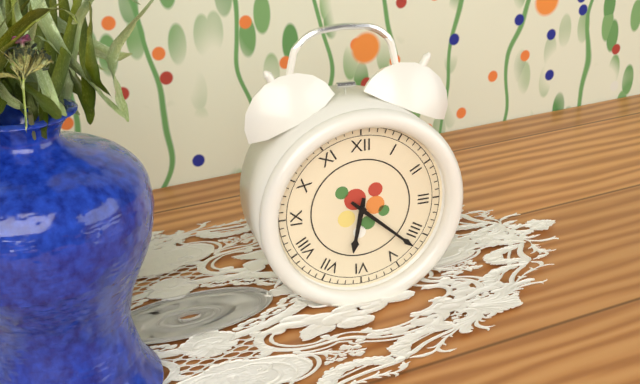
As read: 6:22
